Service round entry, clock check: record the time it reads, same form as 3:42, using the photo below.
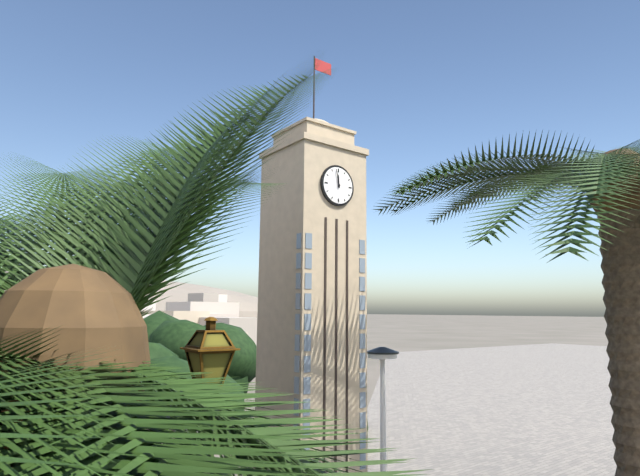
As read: 11:58
